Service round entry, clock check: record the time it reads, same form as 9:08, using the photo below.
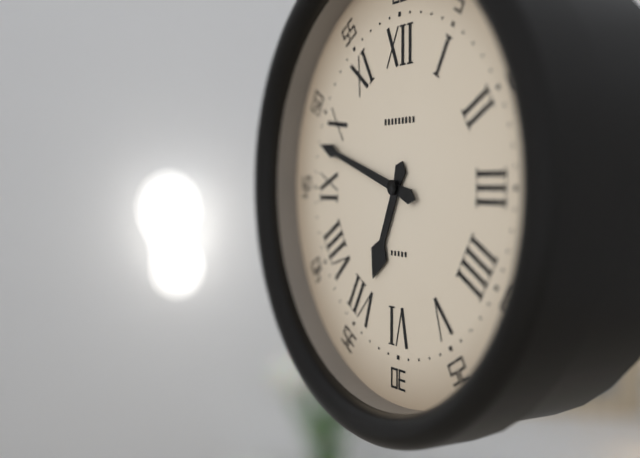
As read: 6:48
